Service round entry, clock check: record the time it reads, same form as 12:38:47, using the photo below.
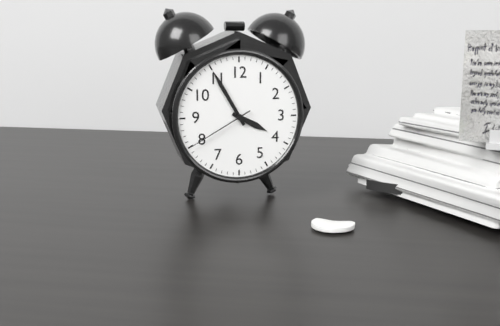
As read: 3:55:40
